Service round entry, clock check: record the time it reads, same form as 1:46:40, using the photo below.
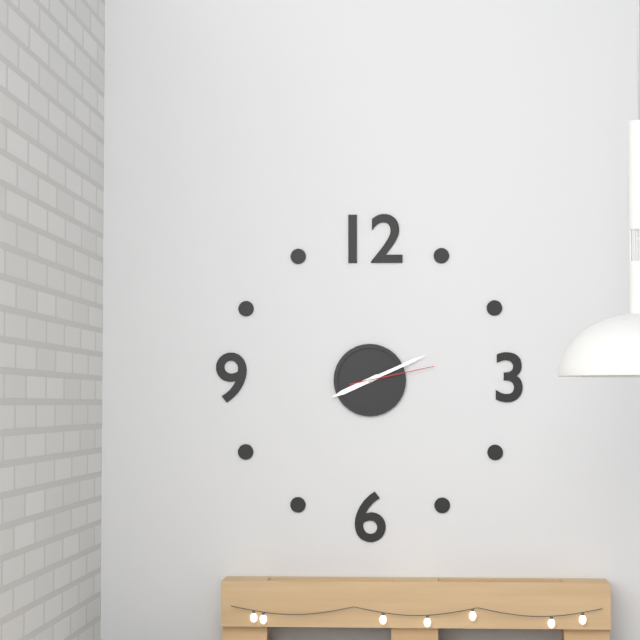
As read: 8:11:13
